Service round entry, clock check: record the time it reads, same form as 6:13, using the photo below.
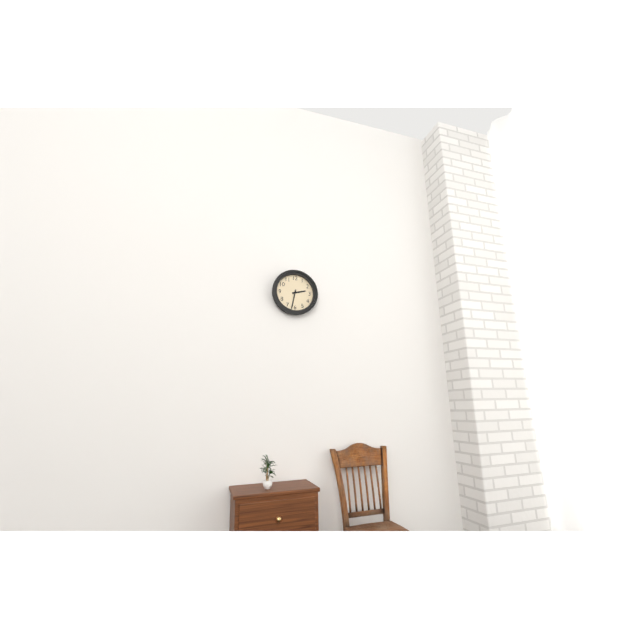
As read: 2:32
